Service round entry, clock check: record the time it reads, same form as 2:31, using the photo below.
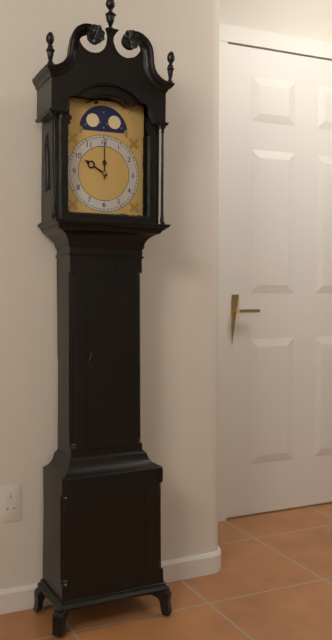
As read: 10:00
